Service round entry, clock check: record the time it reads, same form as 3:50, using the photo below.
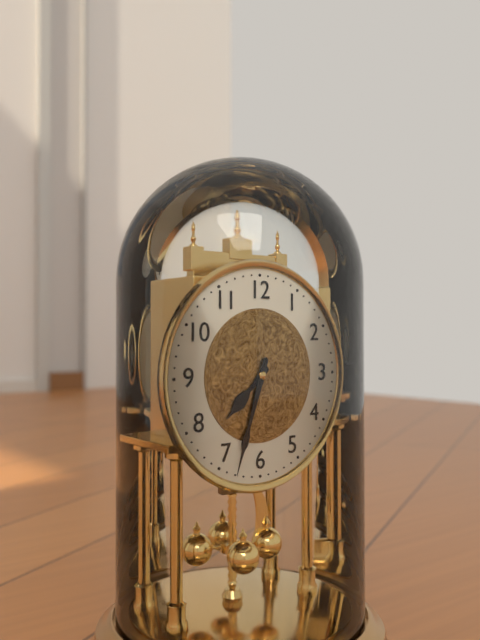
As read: 7:33
